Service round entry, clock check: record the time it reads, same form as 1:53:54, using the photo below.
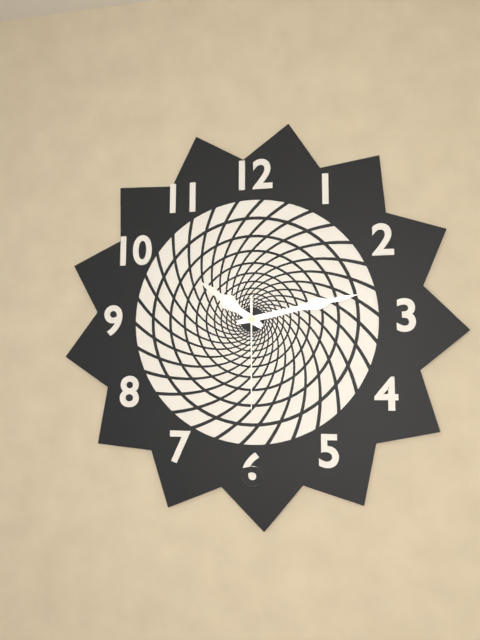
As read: 10:13:30
